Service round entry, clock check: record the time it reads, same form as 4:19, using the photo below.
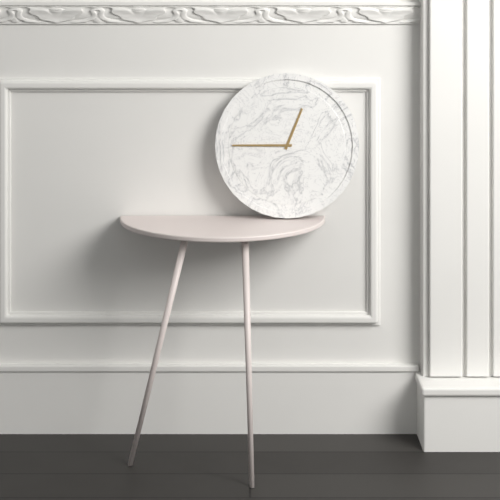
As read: 12:45
